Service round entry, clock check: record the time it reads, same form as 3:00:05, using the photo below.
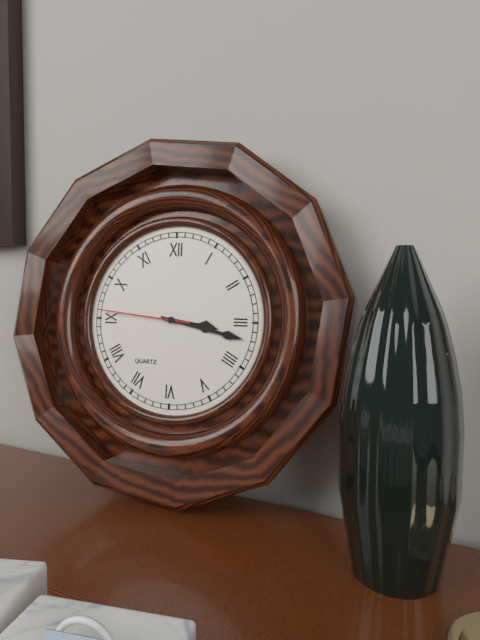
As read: 3:17:46
